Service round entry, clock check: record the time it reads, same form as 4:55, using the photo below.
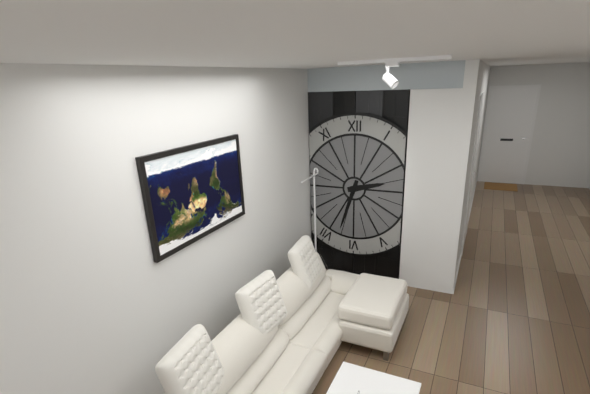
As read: 2:33
